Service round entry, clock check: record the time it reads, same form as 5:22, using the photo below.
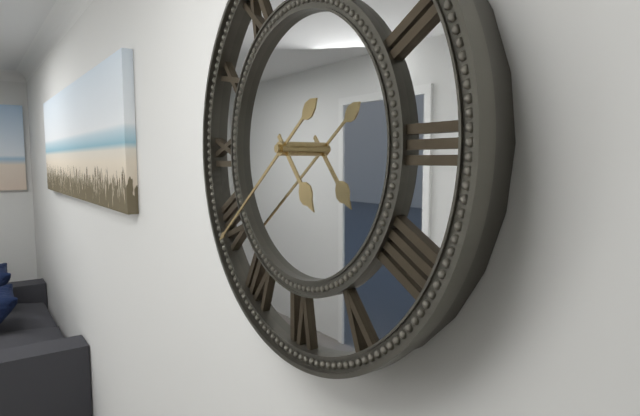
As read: 4:39
